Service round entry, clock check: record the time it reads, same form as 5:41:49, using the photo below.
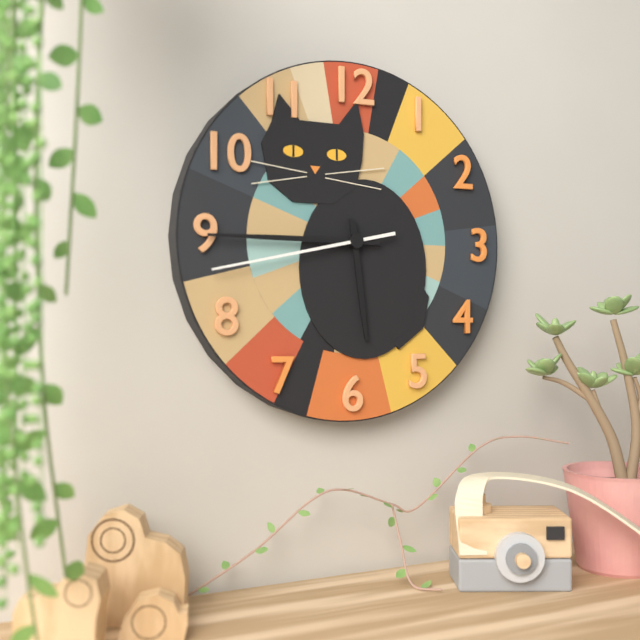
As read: 5:45:43
